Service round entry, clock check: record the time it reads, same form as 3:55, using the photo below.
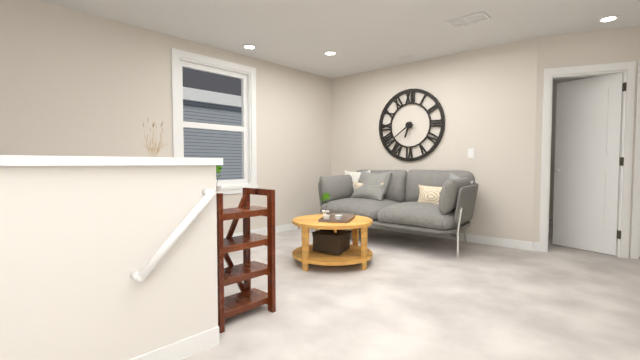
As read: 6:39
